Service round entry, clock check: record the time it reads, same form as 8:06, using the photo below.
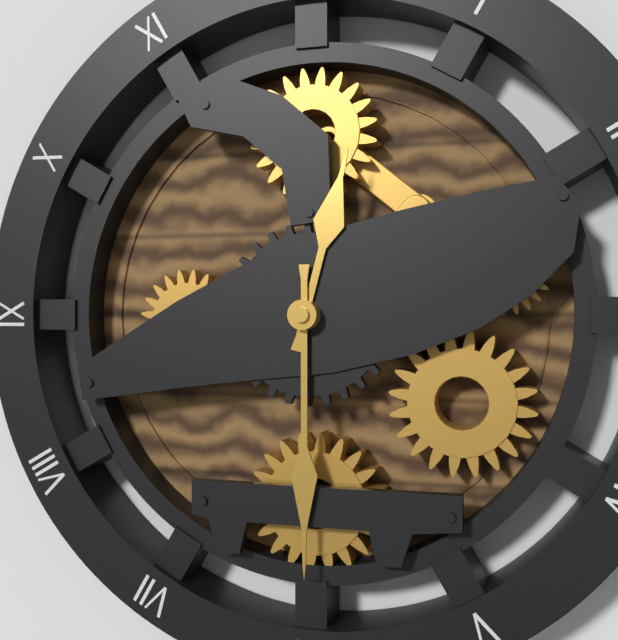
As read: 12:30
